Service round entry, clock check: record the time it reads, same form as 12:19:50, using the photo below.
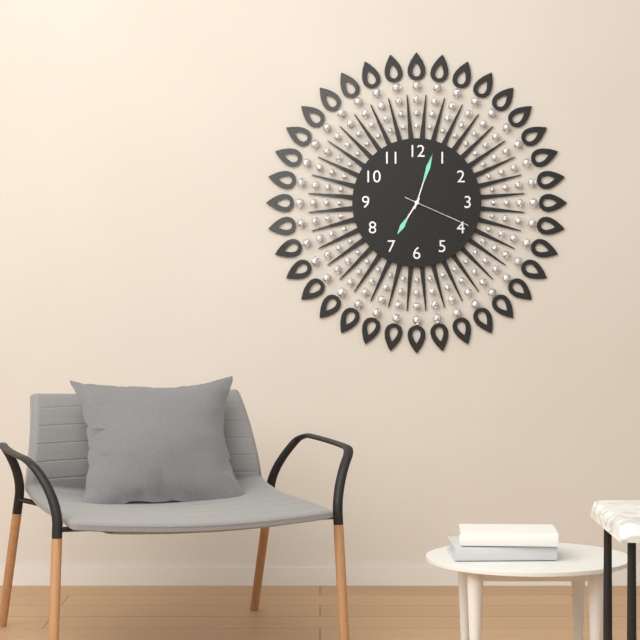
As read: 7:03:19
